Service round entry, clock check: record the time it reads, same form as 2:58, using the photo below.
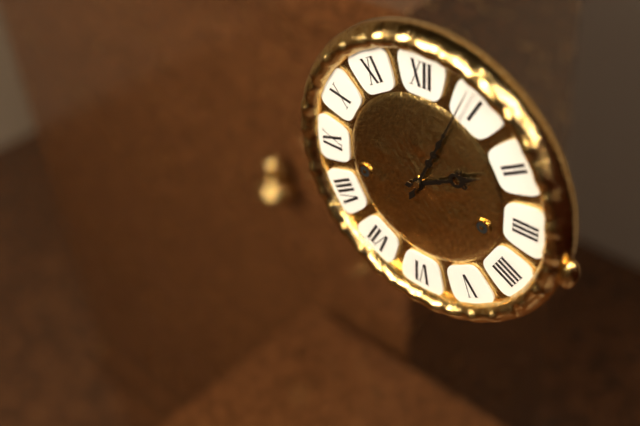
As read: 2:04
